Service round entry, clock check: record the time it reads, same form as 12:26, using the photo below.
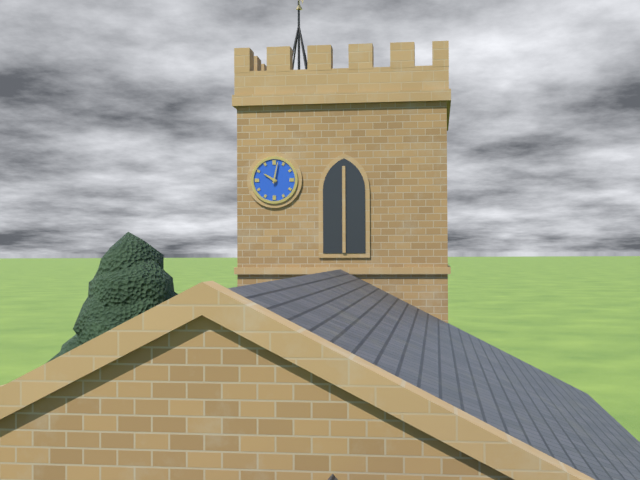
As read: 10:02
